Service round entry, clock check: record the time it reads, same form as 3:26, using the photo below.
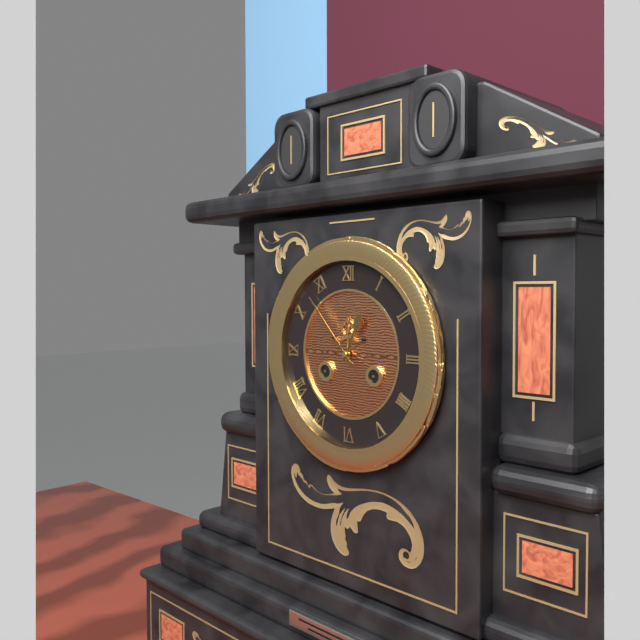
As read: 12:53
